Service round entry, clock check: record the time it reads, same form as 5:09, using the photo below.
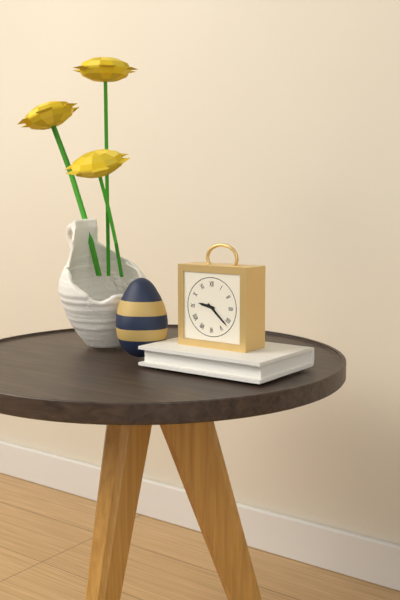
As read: 9:22
